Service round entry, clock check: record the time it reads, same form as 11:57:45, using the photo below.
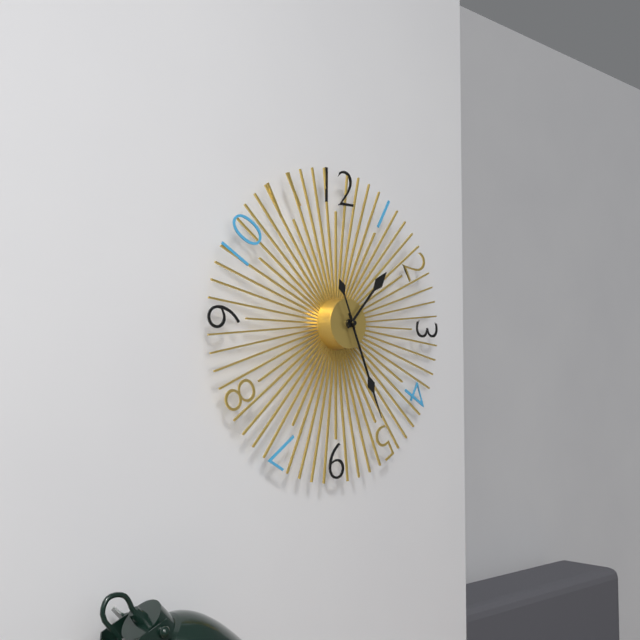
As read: 1:26:56
